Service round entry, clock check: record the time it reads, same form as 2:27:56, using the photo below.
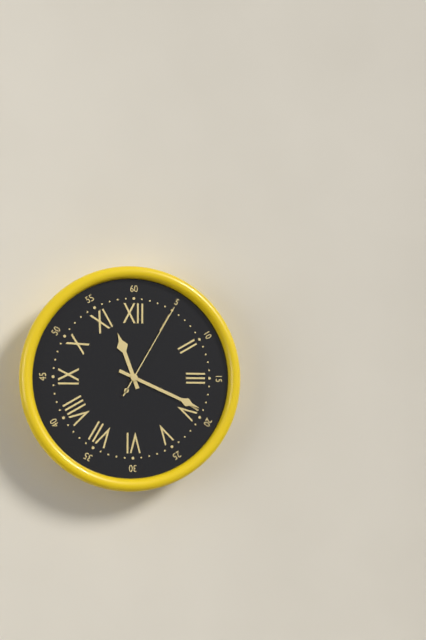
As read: 11:19:05
